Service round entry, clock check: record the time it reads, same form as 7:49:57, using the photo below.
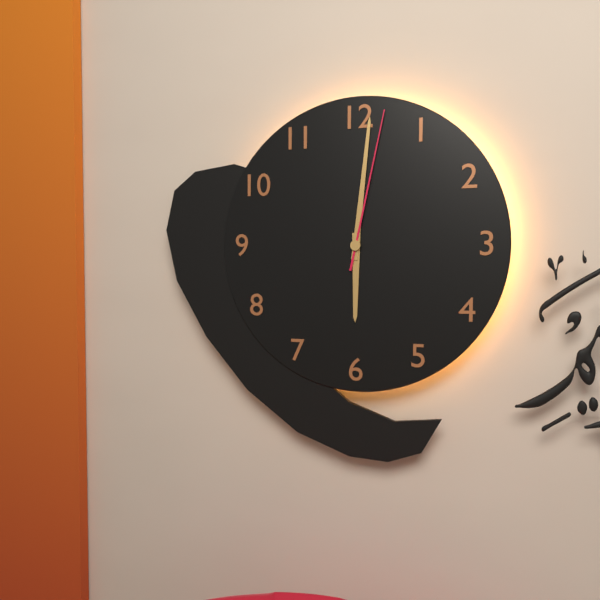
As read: 6:01:02
